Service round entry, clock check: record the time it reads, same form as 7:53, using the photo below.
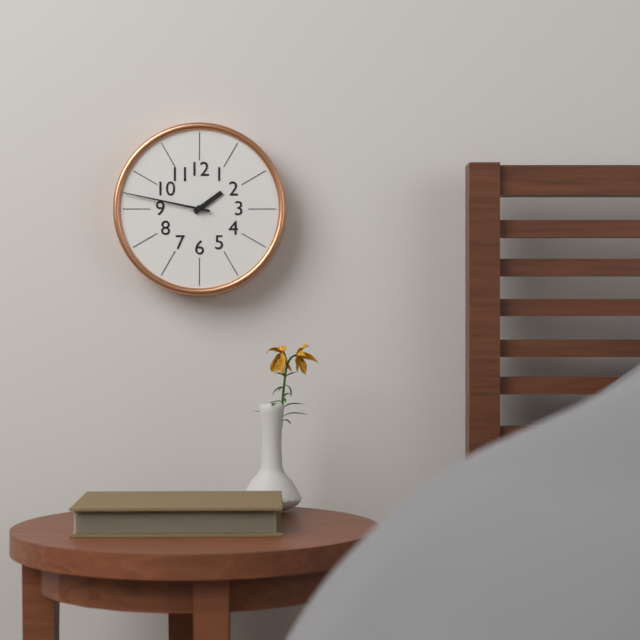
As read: 1:47
